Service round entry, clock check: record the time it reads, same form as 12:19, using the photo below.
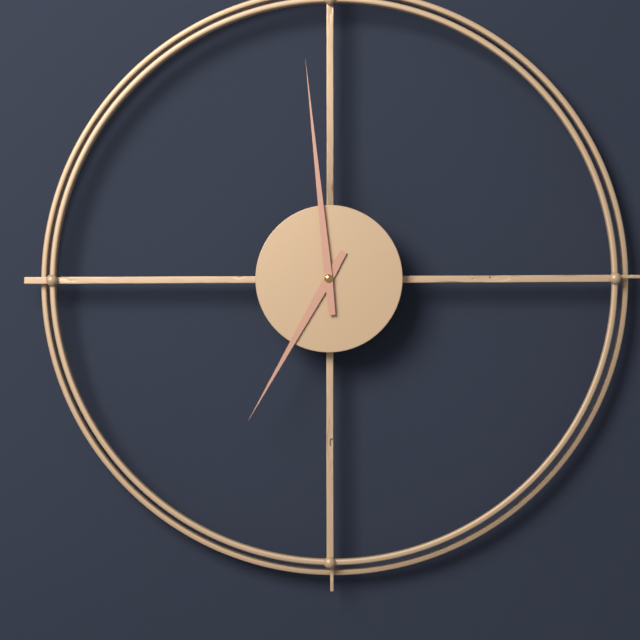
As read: 6:59
